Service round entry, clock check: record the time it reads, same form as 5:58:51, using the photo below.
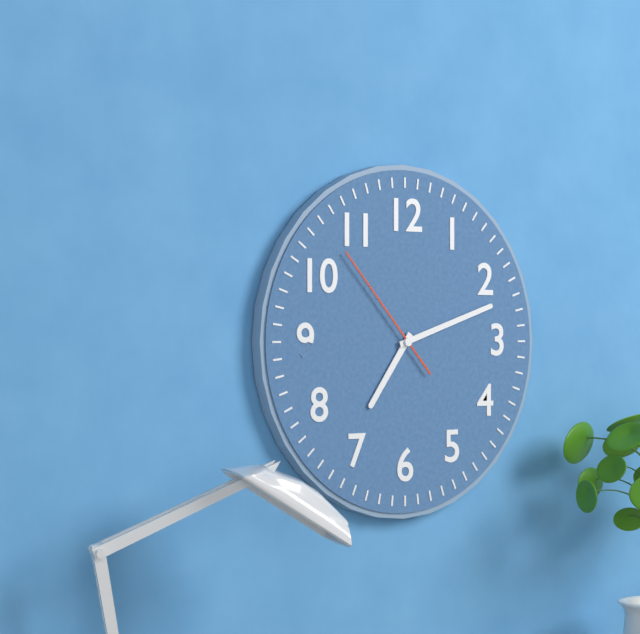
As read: 7:12:53
